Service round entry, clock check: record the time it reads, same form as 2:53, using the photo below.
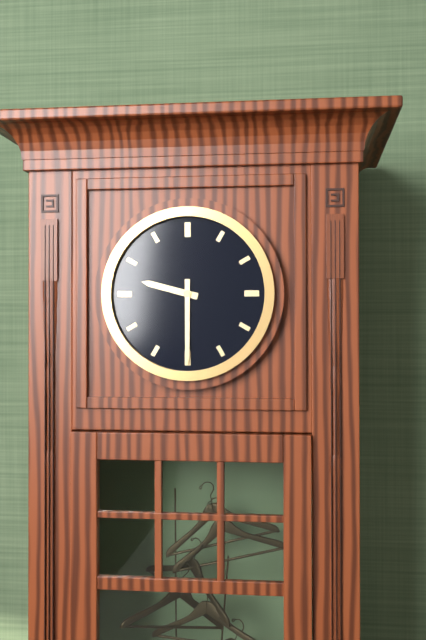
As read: 9:30
